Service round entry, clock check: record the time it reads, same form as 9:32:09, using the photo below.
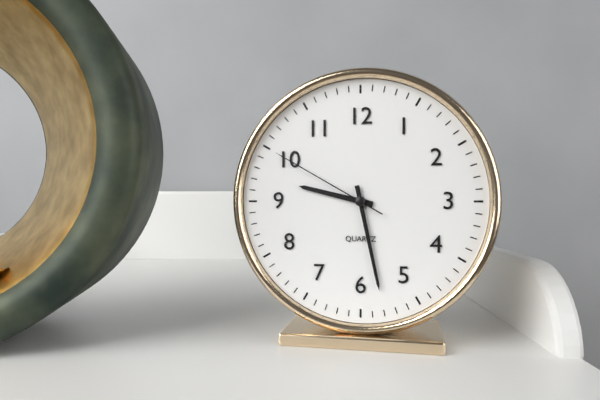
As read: 9:28:50
